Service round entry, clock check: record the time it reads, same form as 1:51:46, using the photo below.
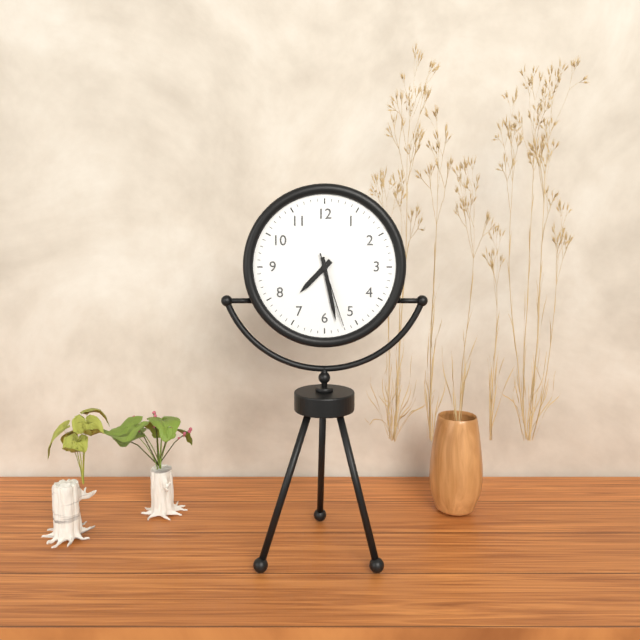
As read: 7:28:27
